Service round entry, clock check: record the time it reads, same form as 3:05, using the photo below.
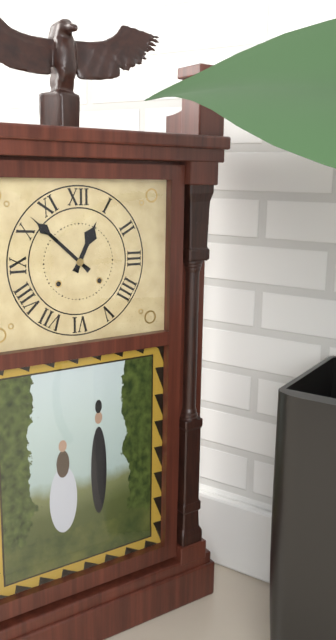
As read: 12:52
